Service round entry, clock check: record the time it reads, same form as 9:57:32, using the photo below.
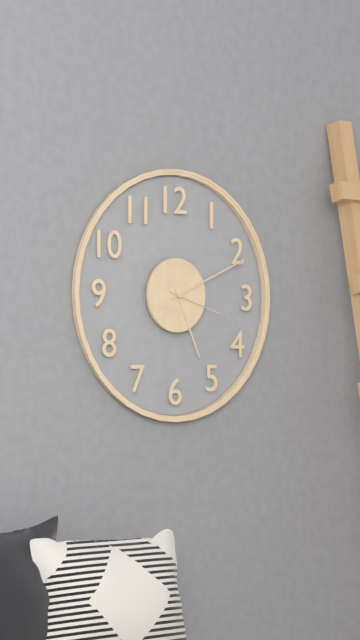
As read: 5:11:18
